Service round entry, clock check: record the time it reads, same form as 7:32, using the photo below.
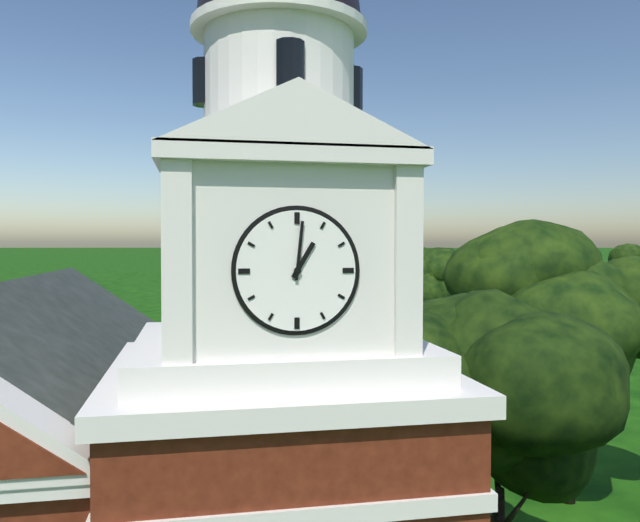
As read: 1:01
